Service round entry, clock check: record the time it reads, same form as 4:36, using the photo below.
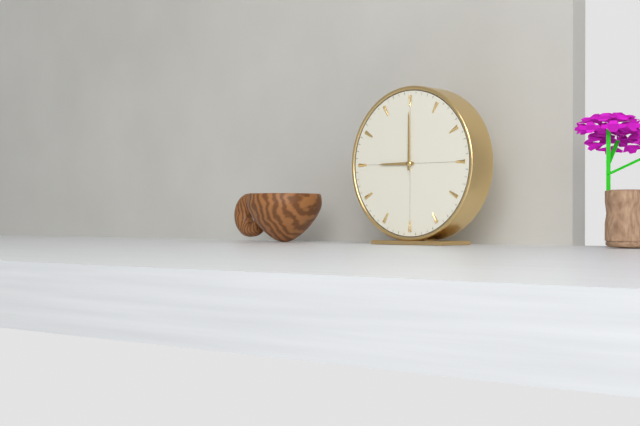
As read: 9:00
